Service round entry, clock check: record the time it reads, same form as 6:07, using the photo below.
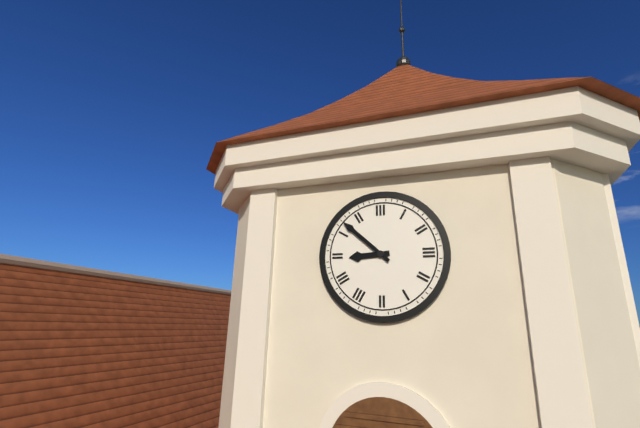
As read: 8:52
